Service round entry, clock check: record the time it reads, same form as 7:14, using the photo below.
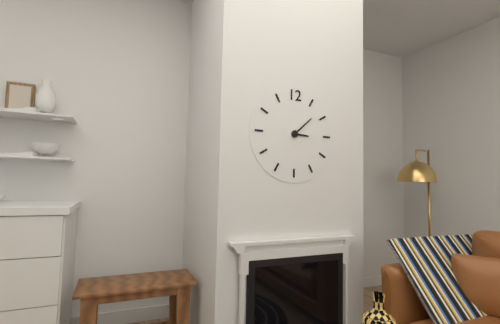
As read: 3:08
